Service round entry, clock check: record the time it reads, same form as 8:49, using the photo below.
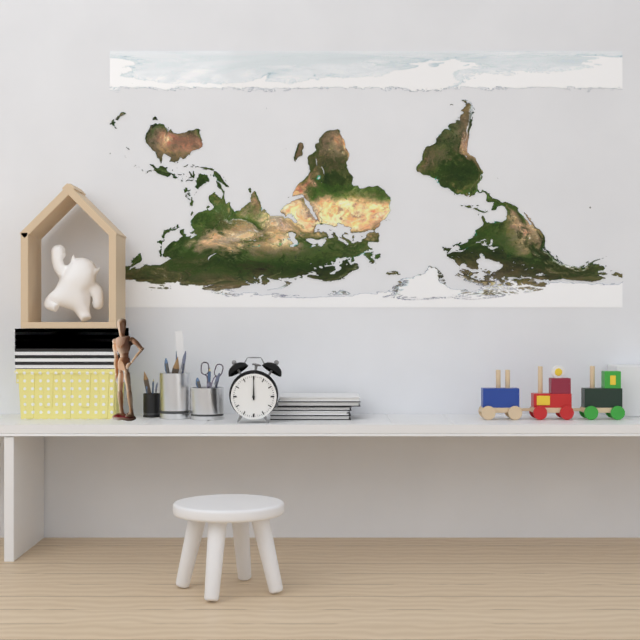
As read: 12:00
